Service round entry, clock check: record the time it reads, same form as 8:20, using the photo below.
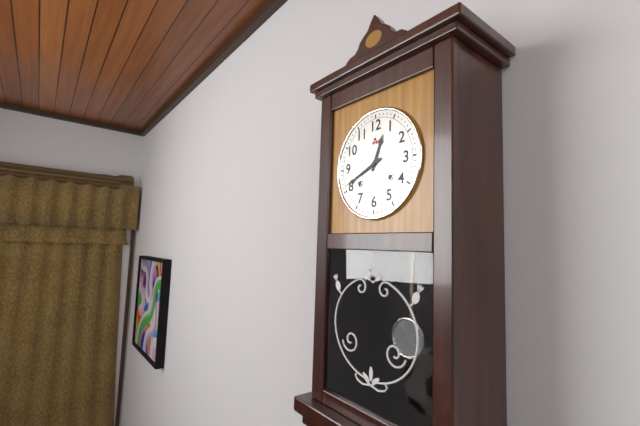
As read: 12:41
